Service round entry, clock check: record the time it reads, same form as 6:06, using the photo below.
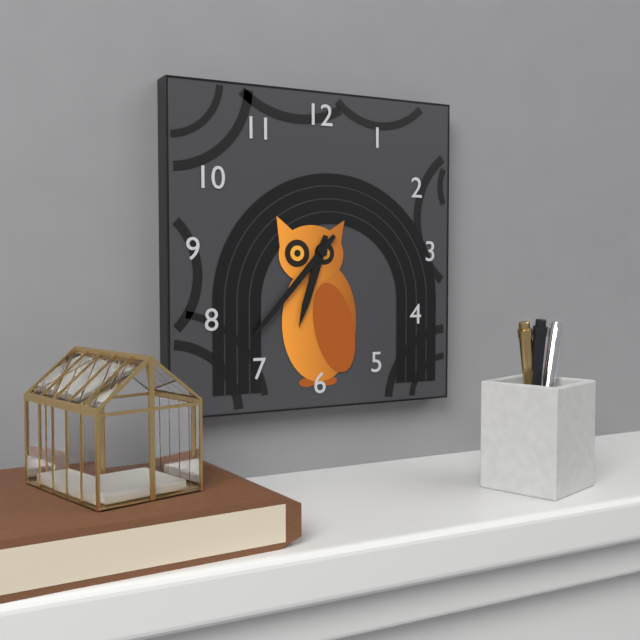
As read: 6:37
